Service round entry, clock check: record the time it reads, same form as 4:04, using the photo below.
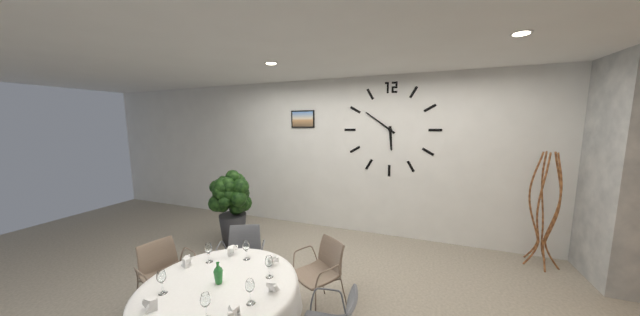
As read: 5:51
